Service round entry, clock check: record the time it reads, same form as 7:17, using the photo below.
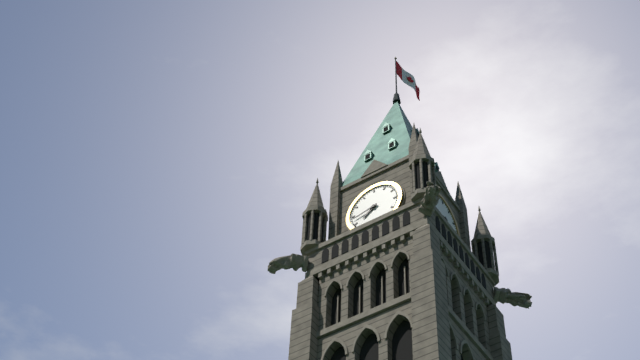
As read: 7:43
